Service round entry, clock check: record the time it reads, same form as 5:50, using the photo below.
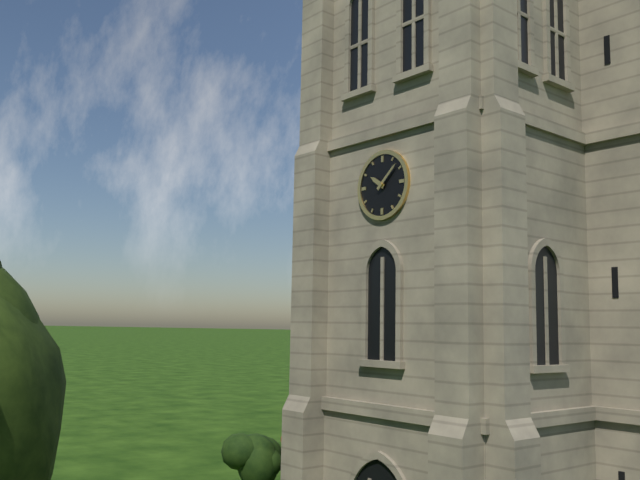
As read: 10:08
